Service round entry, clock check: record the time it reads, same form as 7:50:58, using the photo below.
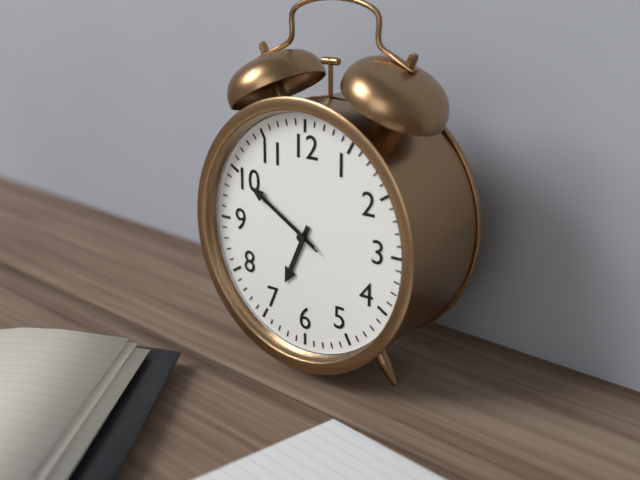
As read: 6:50:50
